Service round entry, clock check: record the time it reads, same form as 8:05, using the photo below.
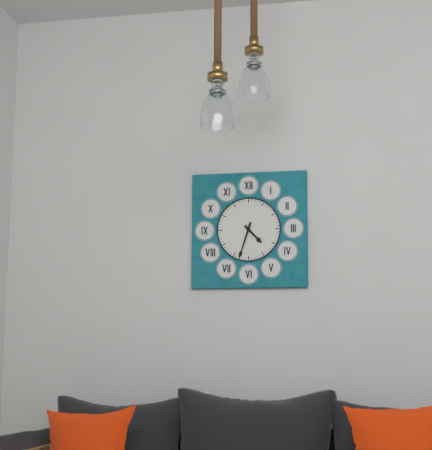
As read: 4:33
